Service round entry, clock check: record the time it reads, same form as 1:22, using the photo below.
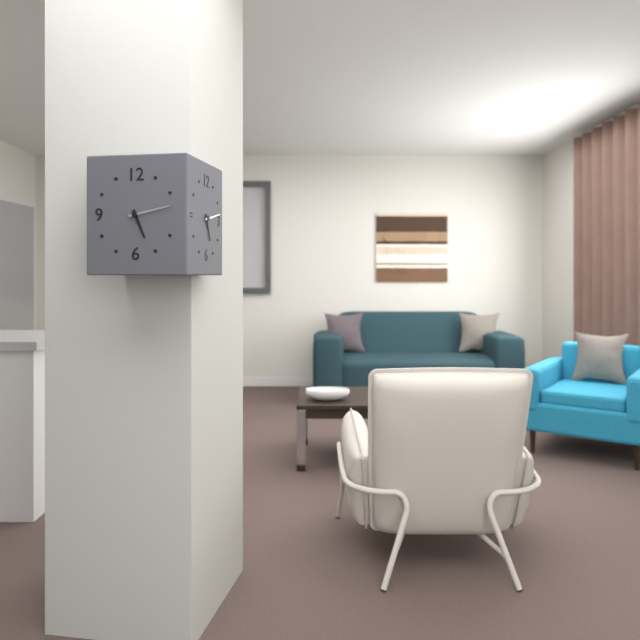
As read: 5:13
